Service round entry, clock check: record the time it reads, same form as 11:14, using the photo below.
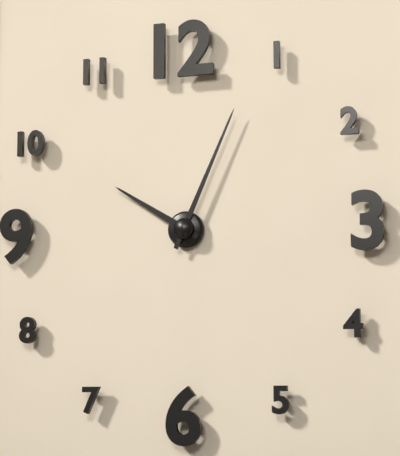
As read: 10:04
